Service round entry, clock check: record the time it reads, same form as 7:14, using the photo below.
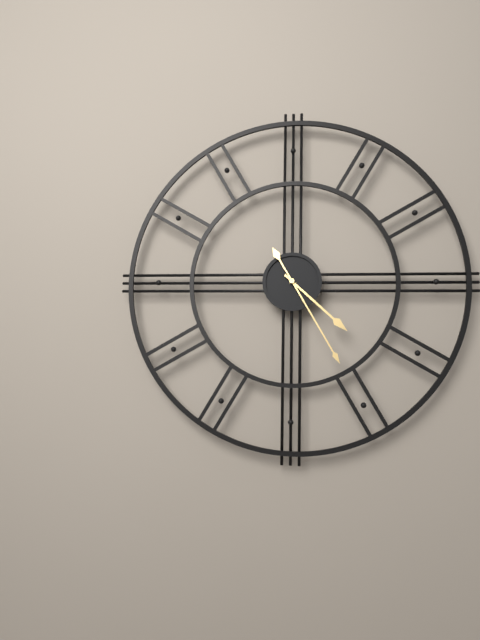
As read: 4:25
